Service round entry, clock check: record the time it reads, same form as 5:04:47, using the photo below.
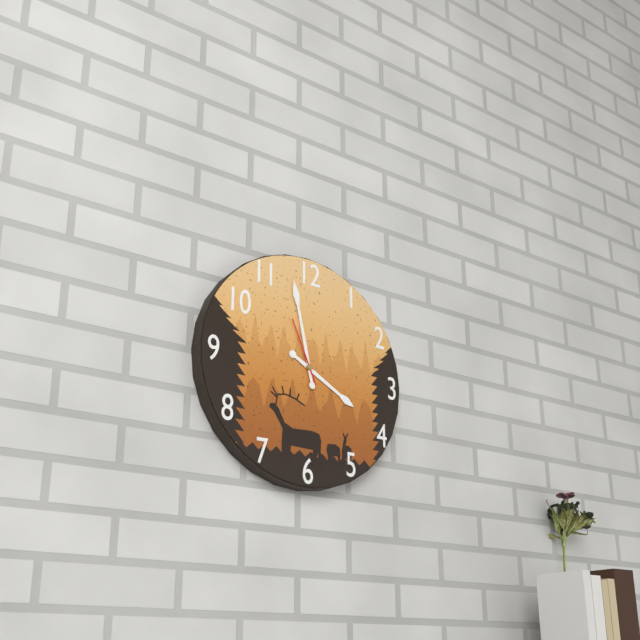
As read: 3:58:56
